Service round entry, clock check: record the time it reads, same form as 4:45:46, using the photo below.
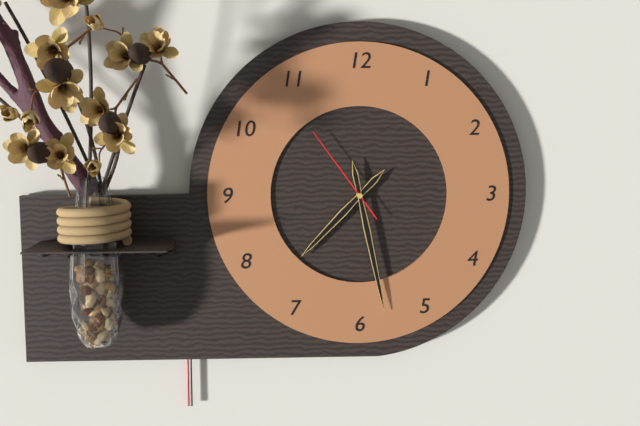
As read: 7:28:54
